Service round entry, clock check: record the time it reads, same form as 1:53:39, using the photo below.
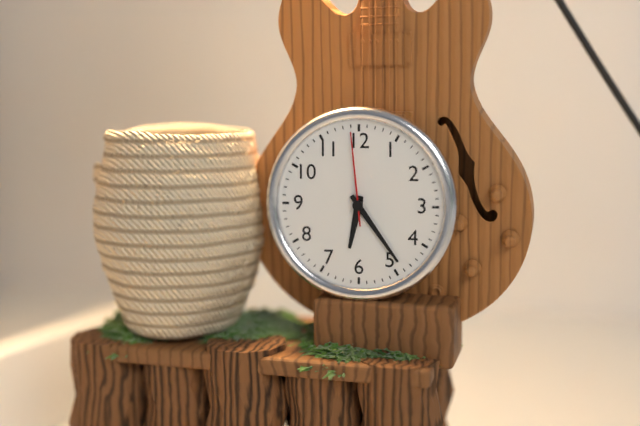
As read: 6:24:59
